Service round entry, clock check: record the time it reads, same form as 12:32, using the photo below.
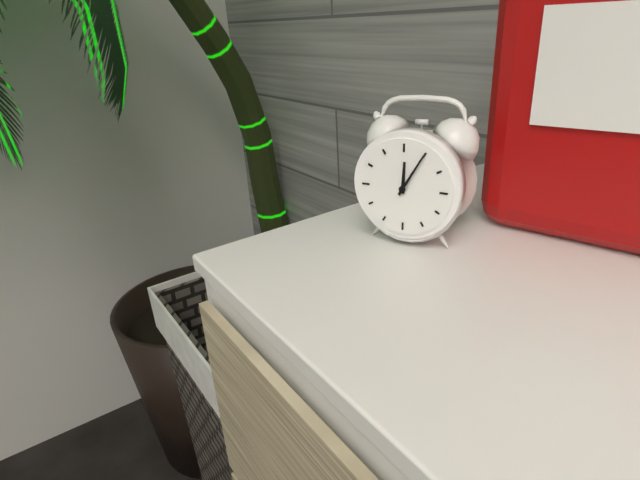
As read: 12:05
